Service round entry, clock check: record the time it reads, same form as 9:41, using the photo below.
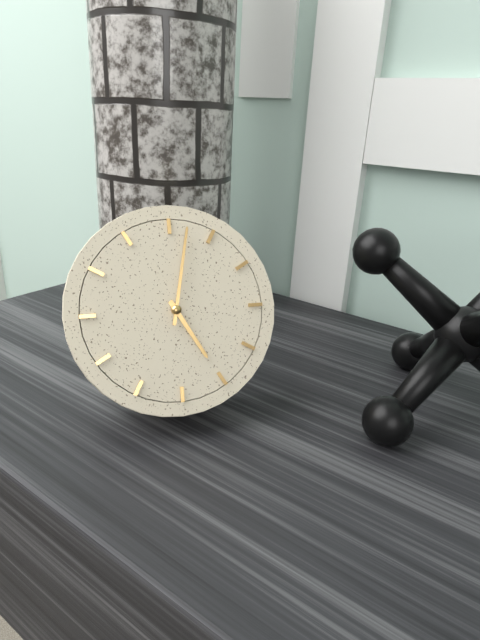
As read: 5:02
